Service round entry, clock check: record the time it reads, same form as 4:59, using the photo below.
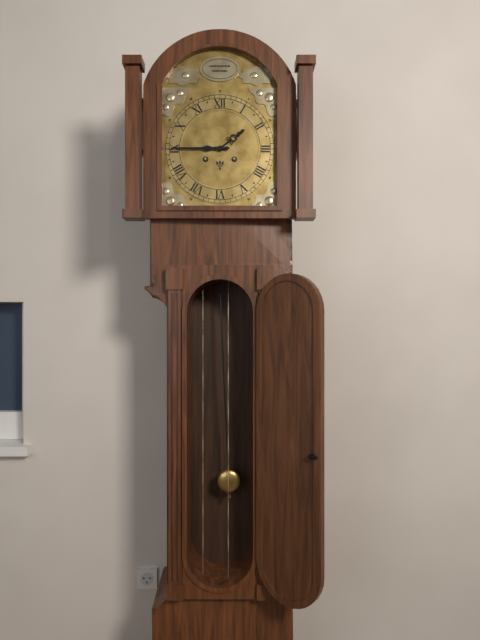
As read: 1:45
